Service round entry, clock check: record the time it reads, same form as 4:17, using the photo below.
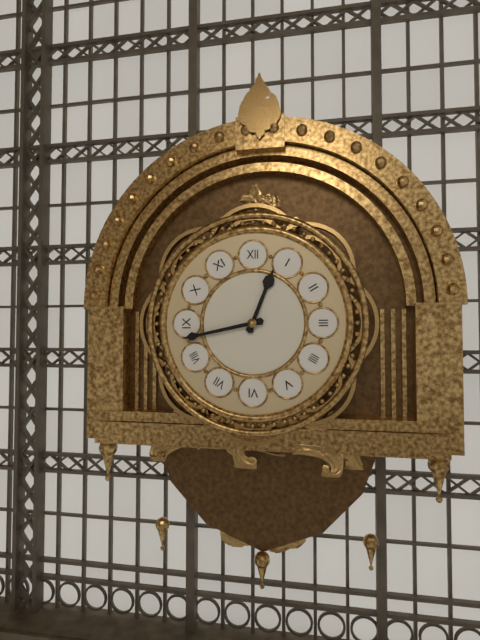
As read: 12:43
